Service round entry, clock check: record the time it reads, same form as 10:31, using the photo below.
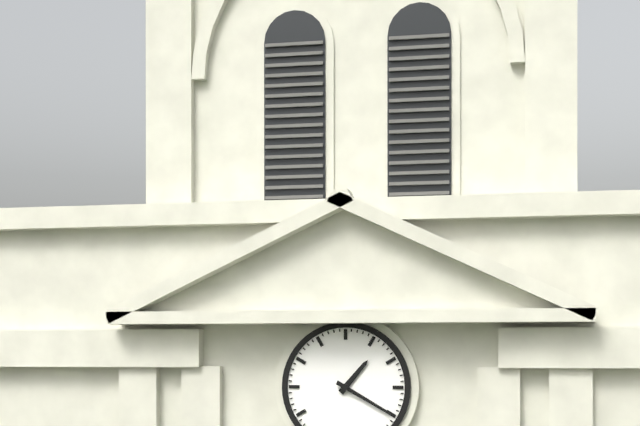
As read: 1:20
